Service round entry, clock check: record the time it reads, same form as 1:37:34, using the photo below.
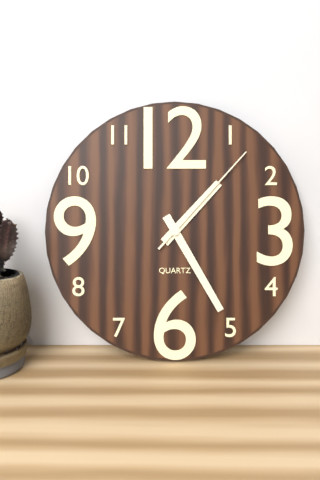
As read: 1:25:07
